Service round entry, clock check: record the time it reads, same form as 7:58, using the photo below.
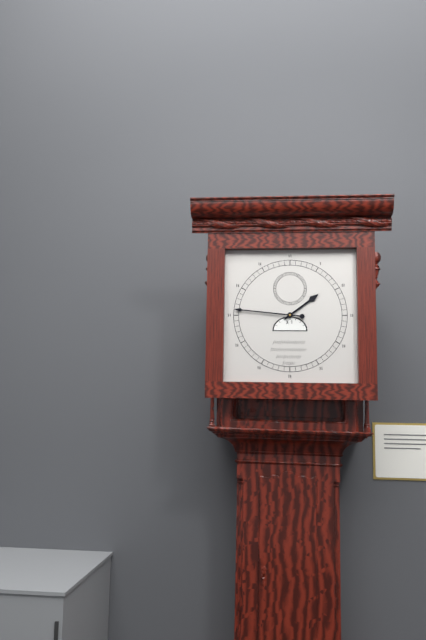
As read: 1:46
